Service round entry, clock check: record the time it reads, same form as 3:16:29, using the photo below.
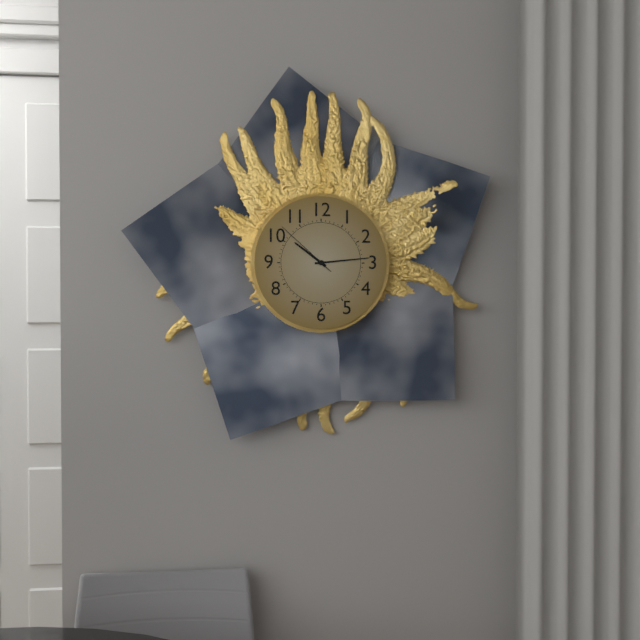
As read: 10:14:52
